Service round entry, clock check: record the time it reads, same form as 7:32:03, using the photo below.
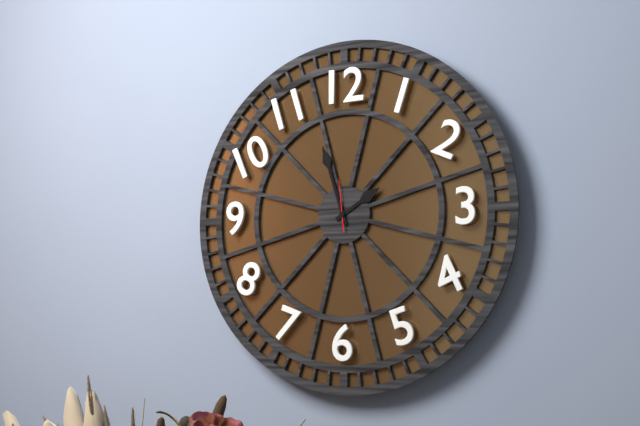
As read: 1:57:59
